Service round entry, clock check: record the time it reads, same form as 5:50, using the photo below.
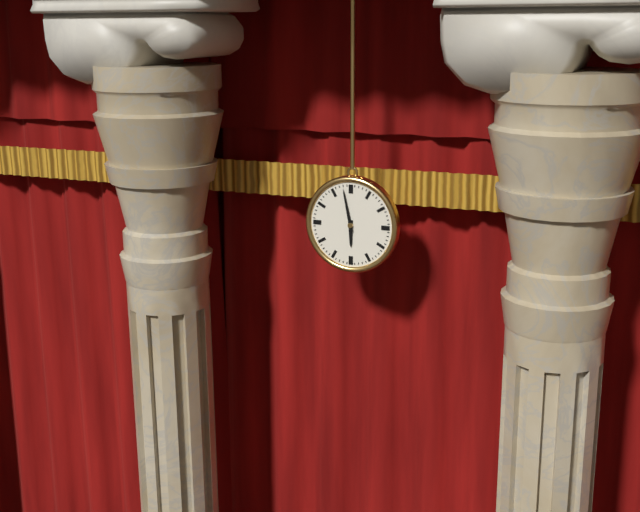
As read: 5:58
